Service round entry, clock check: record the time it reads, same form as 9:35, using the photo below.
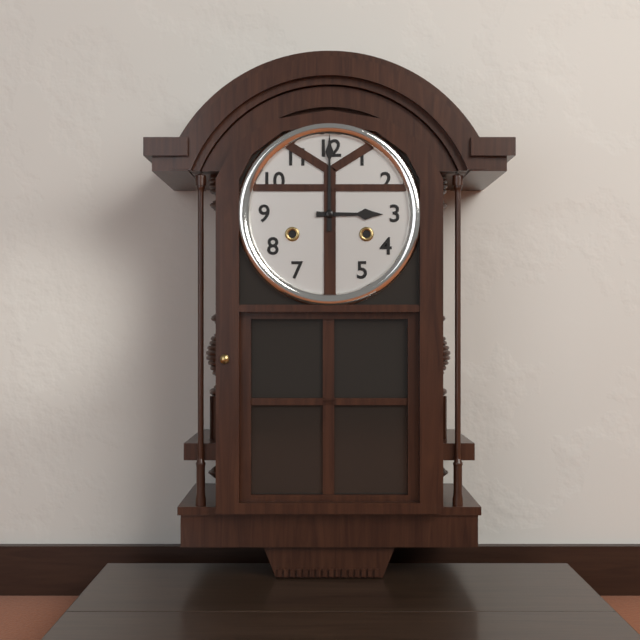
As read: 3:00
